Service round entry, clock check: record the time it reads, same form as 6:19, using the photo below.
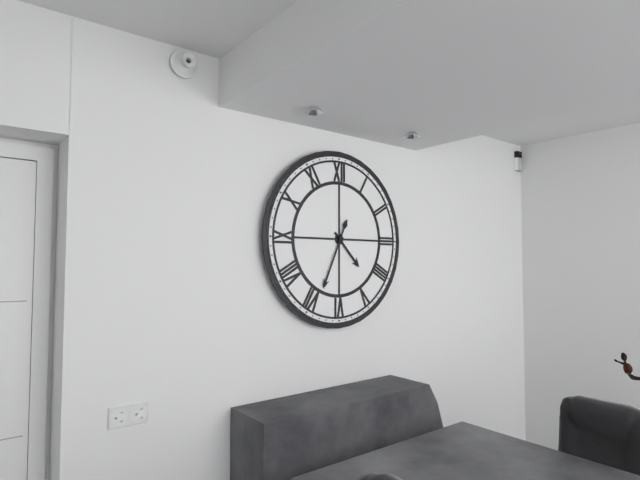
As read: 4:34
